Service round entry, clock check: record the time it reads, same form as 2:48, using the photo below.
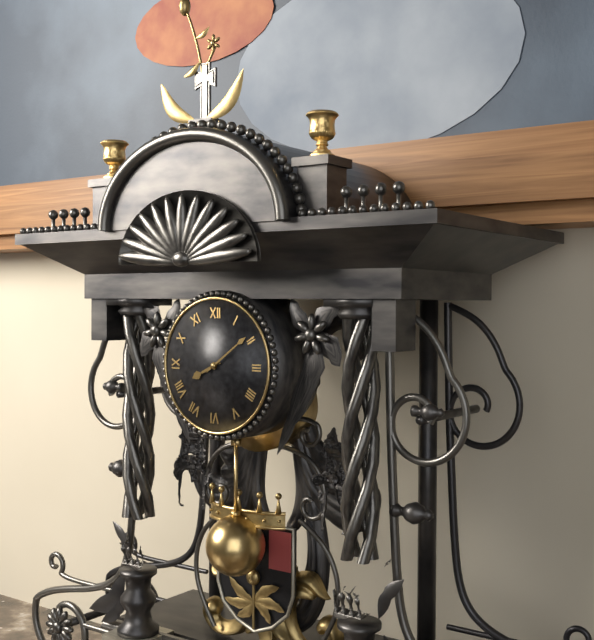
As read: 8:09
